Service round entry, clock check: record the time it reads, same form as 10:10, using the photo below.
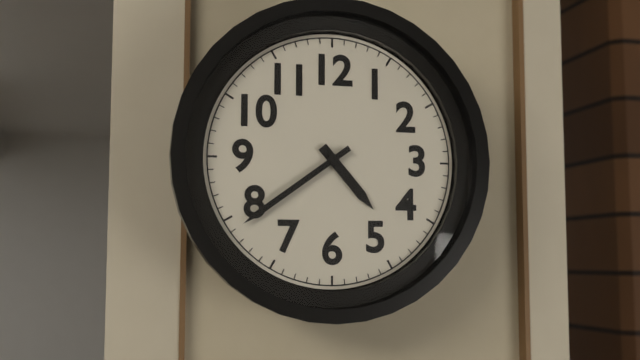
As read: 4:39
